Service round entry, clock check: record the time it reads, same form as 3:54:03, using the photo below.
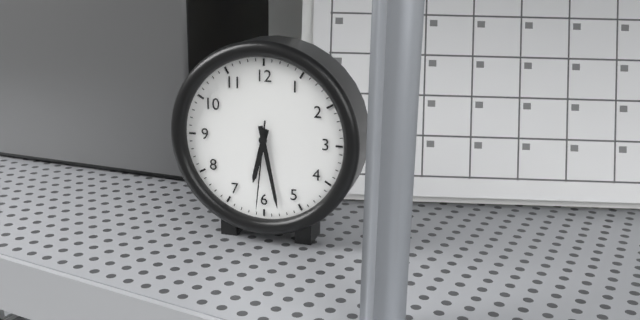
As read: 6:28:31
